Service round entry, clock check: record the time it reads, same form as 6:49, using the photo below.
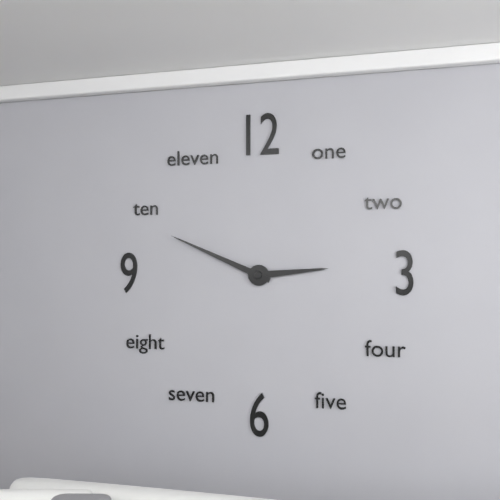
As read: 2:49
